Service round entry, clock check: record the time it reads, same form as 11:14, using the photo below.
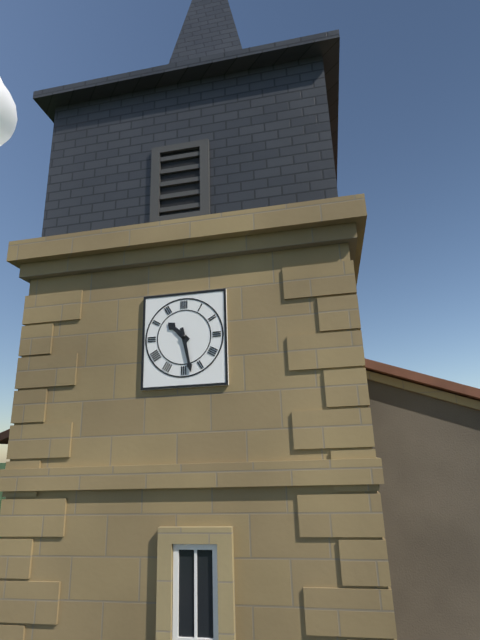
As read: 10:28
